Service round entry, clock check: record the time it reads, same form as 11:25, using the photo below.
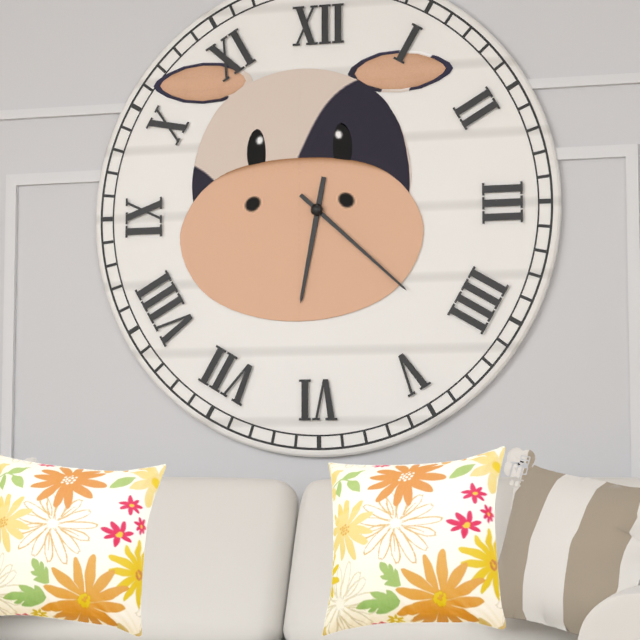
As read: 6:22
